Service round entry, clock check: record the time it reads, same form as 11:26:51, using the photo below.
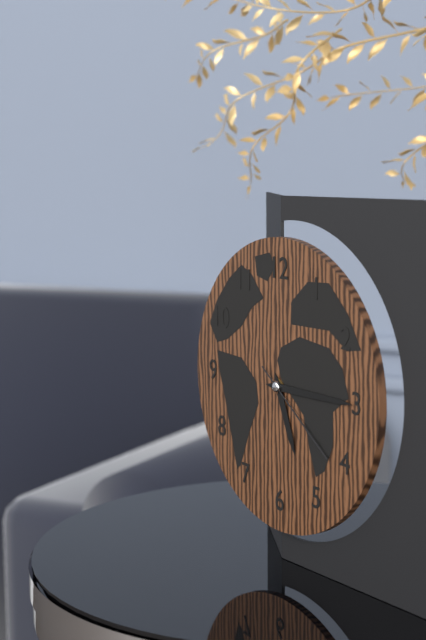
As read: 5:15:21
